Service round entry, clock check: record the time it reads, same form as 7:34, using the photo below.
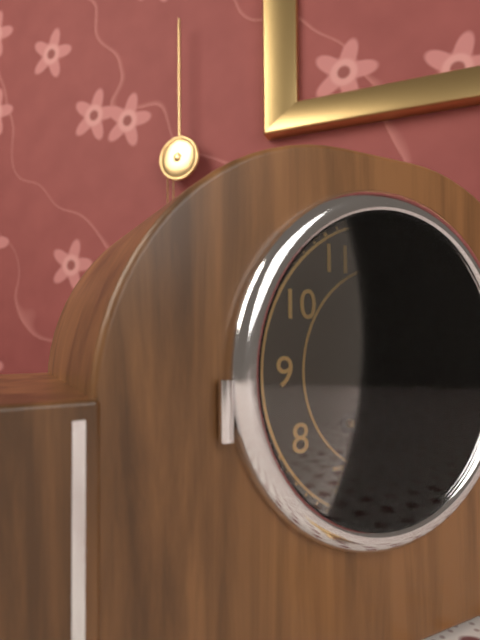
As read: 4:15
